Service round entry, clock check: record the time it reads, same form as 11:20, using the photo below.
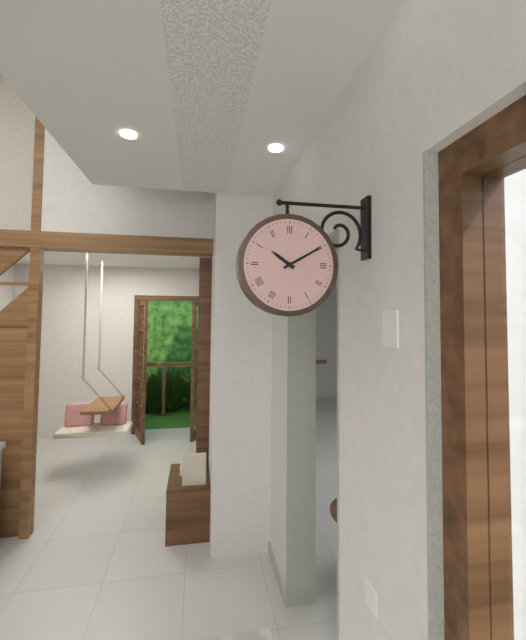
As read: 10:10
